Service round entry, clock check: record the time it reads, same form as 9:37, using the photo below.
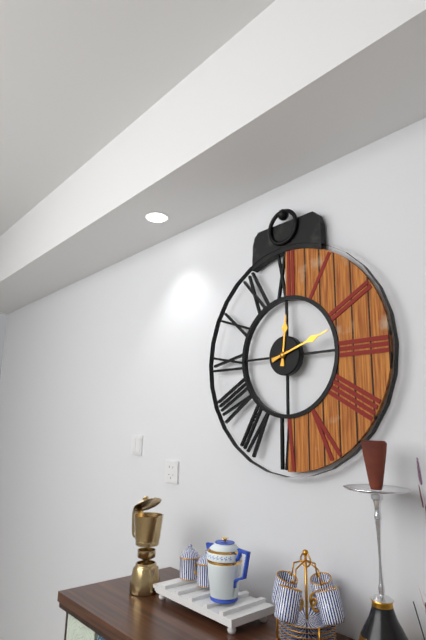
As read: 12:12
